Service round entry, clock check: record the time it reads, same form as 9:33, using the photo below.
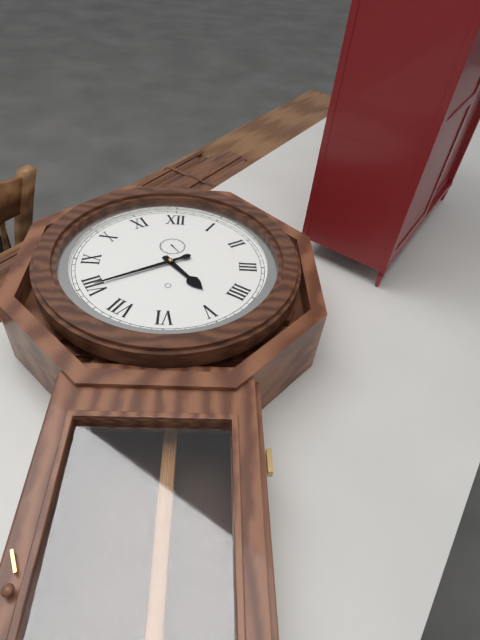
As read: 4:40
